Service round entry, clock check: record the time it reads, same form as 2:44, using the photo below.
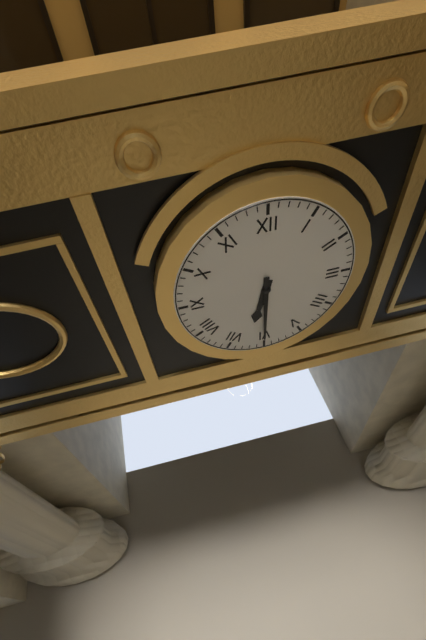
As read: 6:30
